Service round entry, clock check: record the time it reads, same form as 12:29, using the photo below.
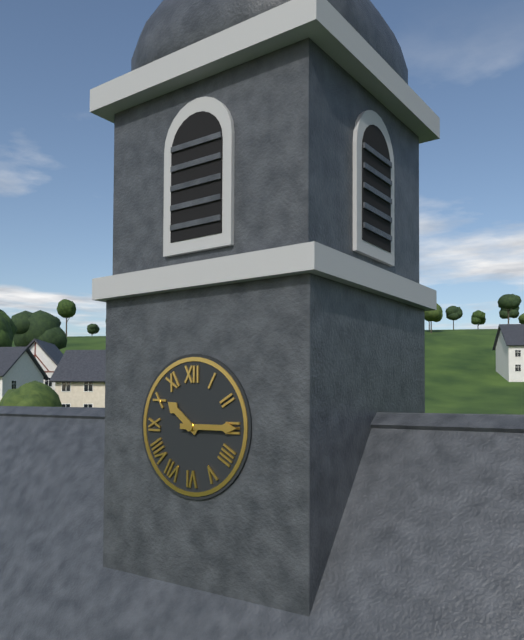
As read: 10:15
